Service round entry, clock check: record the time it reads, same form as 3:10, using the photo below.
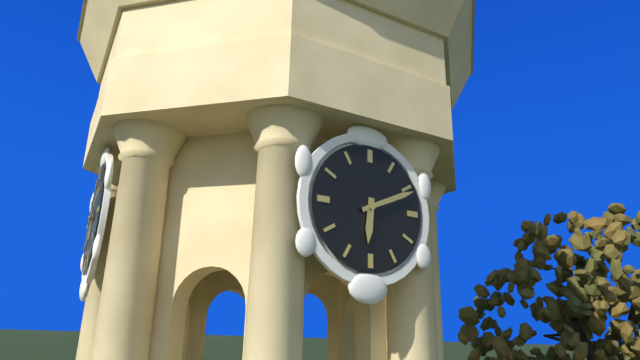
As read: 6:11
